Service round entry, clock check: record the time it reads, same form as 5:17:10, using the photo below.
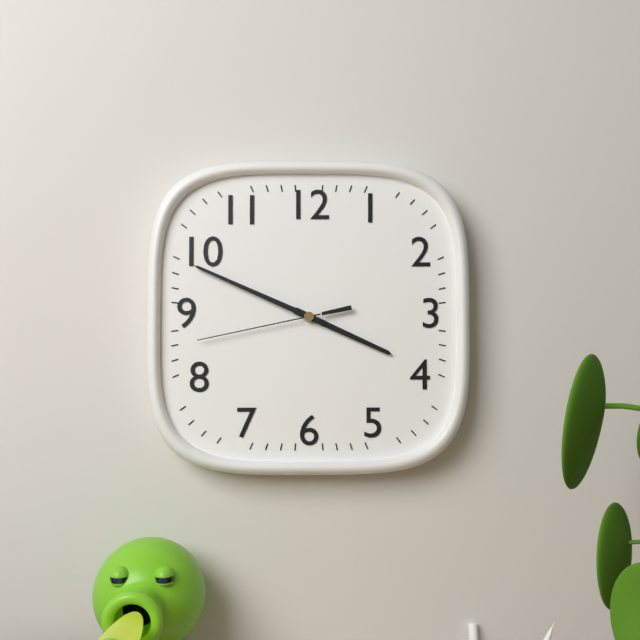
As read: 3:49:43
